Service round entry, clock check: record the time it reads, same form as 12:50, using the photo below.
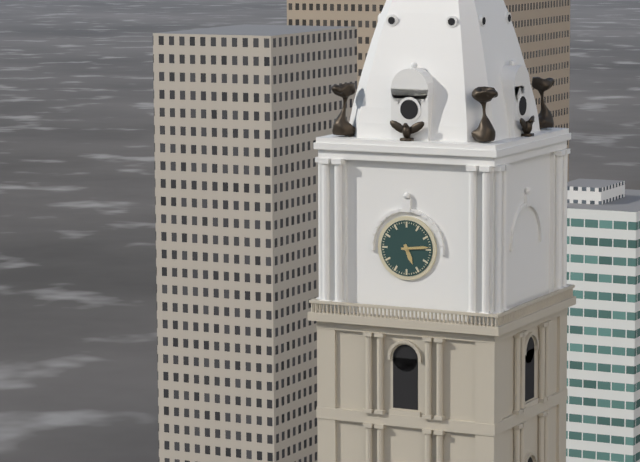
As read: 5:14
